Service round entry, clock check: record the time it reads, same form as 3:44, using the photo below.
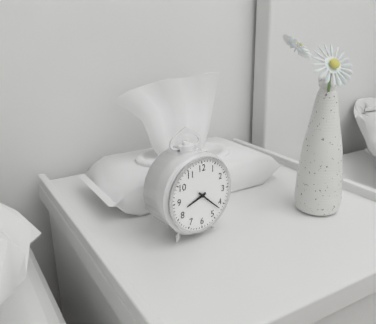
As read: 8:22
